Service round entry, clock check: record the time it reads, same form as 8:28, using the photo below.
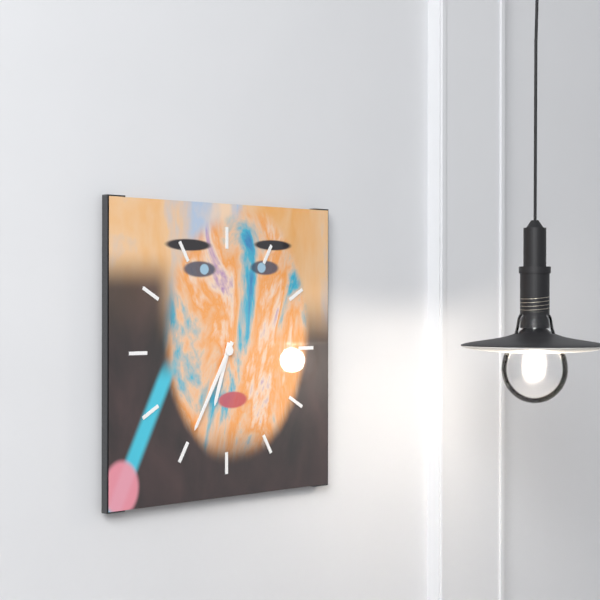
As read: 6:35
